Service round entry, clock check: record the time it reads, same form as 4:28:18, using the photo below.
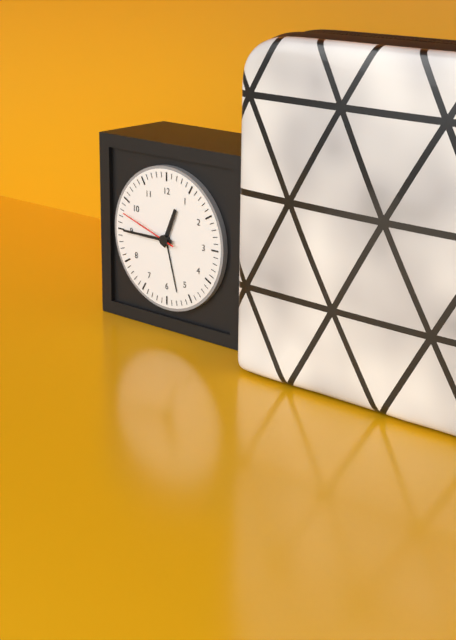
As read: 12:45:48
